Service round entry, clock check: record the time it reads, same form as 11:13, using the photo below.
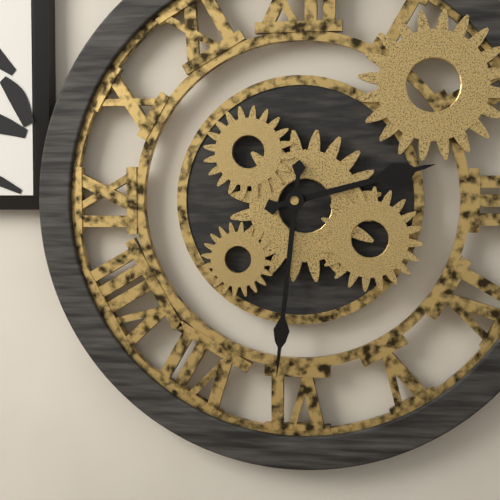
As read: 2:31
